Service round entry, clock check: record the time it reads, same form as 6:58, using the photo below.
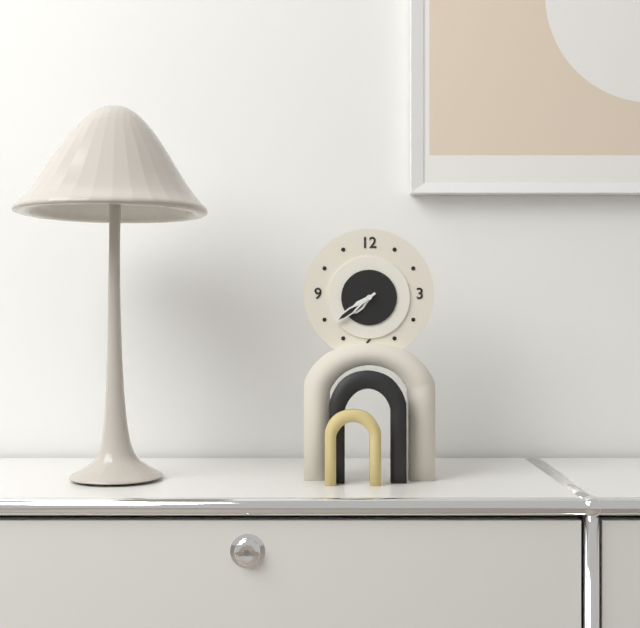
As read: 7:39
